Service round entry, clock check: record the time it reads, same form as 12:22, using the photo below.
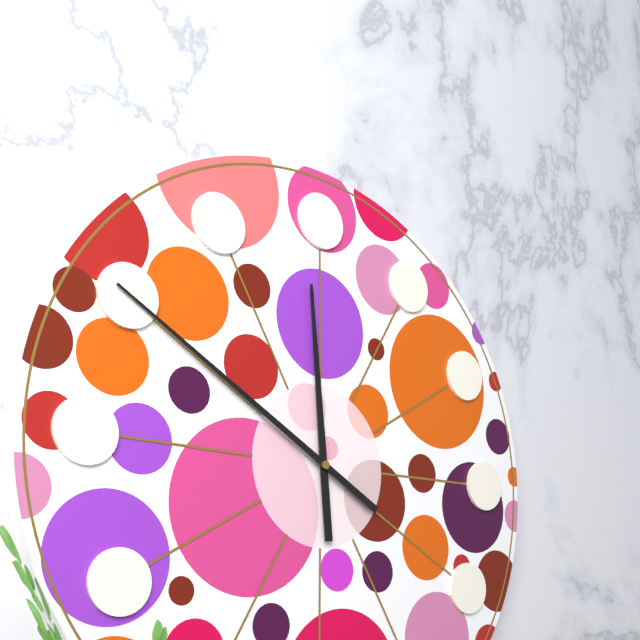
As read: 11:50
